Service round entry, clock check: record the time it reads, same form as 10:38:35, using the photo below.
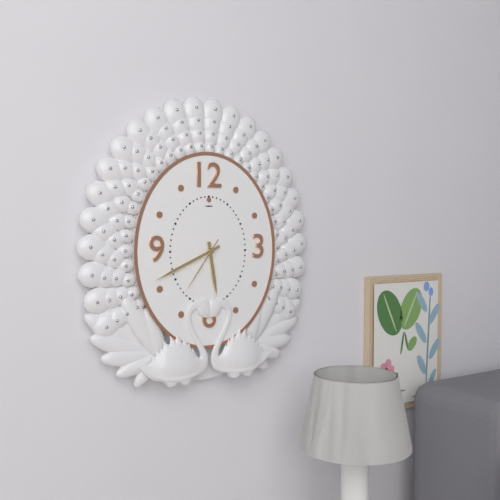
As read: 5:41:36
